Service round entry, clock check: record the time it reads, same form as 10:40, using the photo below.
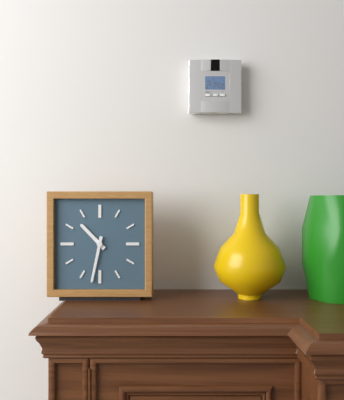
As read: 10:32
